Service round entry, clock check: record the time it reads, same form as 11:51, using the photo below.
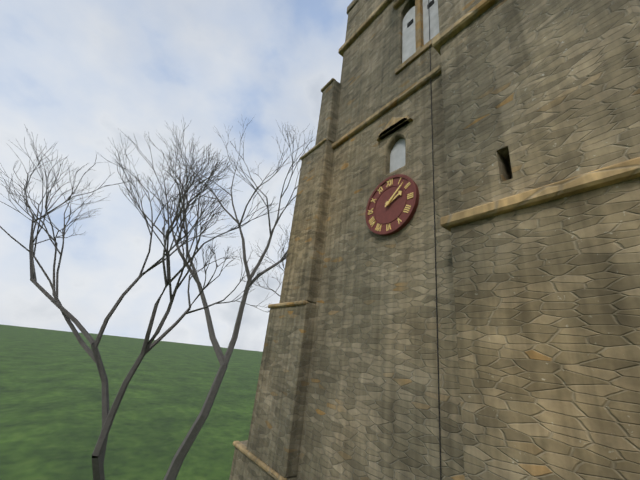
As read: 2:08
